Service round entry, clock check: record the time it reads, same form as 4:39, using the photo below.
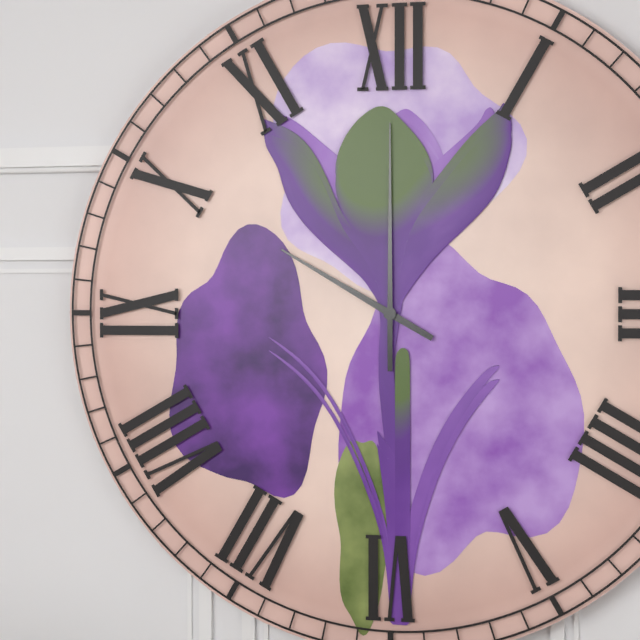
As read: 10:00
